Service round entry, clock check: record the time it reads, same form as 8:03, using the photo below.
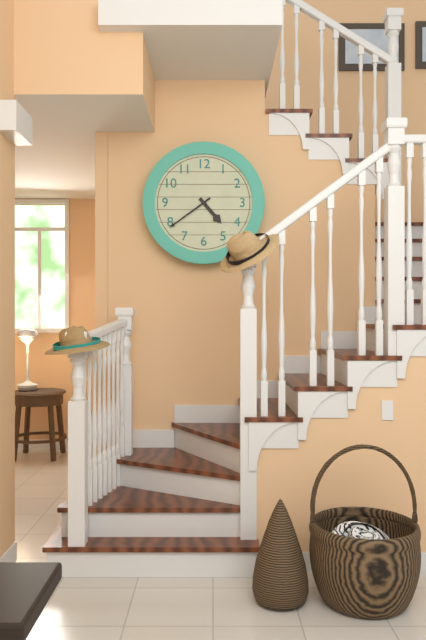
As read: 4:39
